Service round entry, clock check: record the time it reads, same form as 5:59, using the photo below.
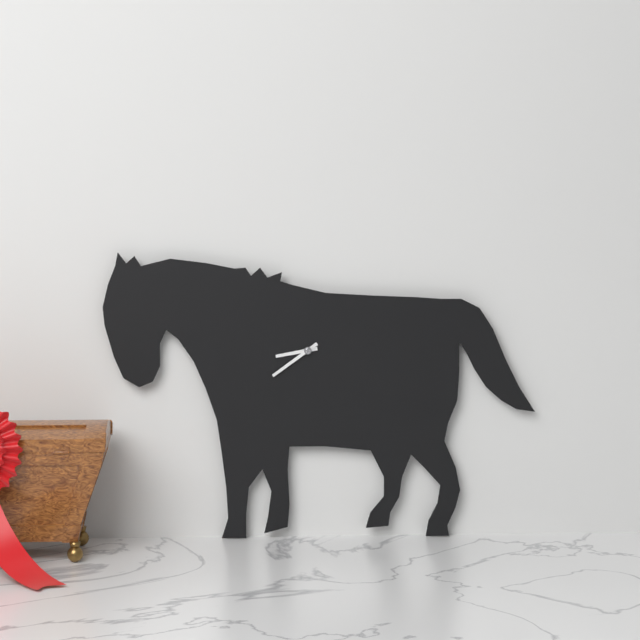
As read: 8:39
